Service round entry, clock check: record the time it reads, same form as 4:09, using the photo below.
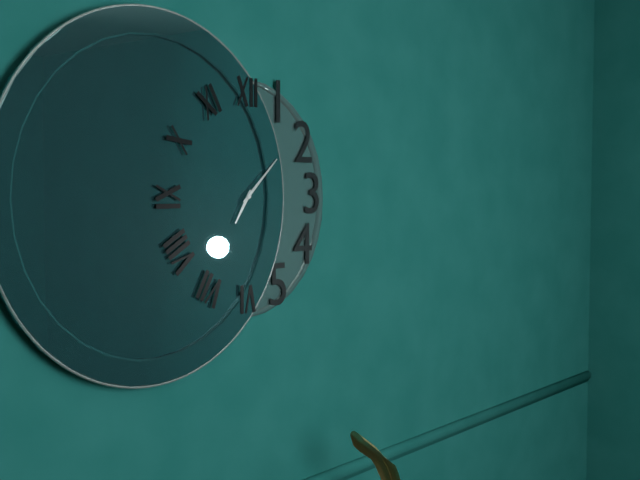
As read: 7:08
